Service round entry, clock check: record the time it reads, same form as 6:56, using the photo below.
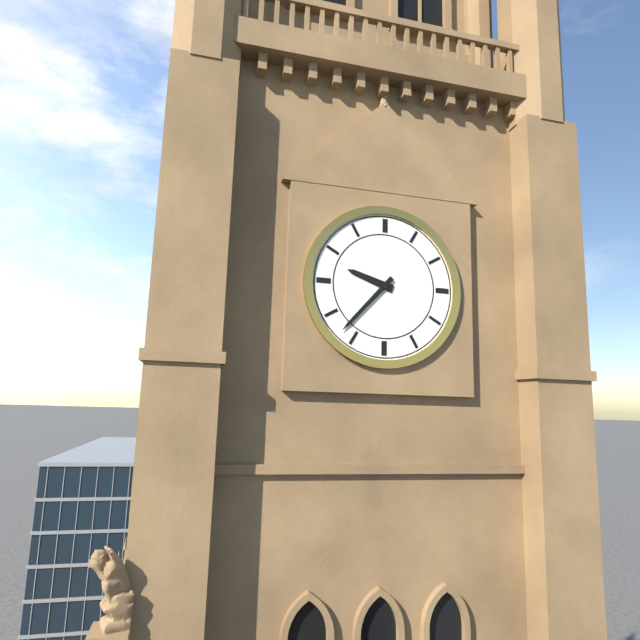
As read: 9:37
